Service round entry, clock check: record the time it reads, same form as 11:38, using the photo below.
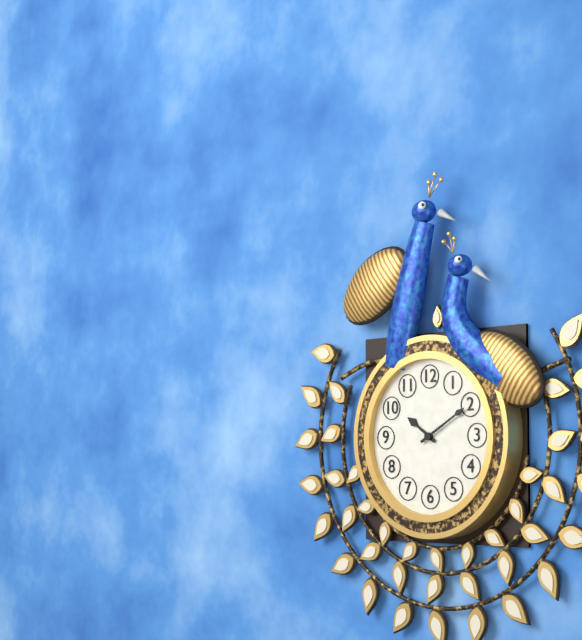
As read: 10:10
